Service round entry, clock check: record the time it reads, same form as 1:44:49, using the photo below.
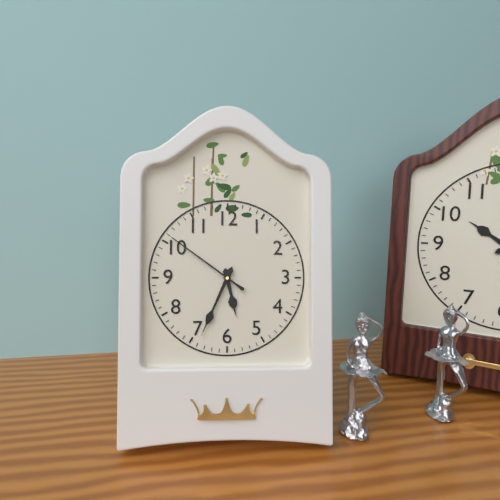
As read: 5:34:51
